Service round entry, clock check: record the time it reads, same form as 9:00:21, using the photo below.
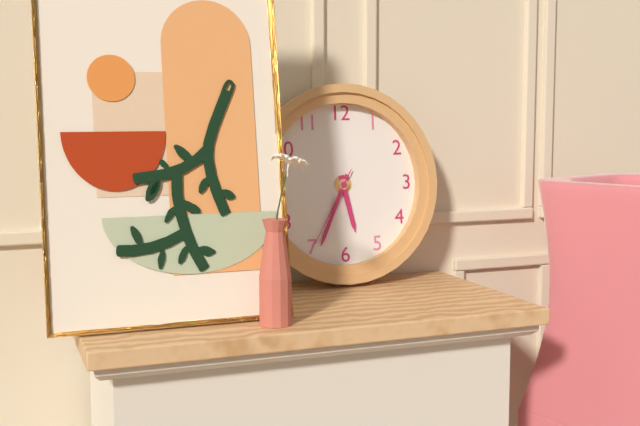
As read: 5:34:35
